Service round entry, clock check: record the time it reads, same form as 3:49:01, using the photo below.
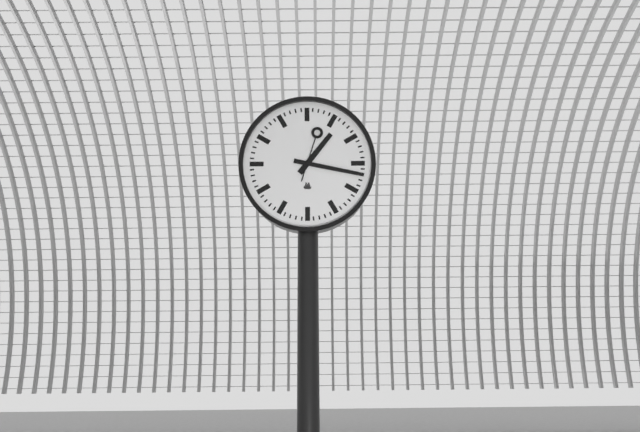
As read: 1:17:03
